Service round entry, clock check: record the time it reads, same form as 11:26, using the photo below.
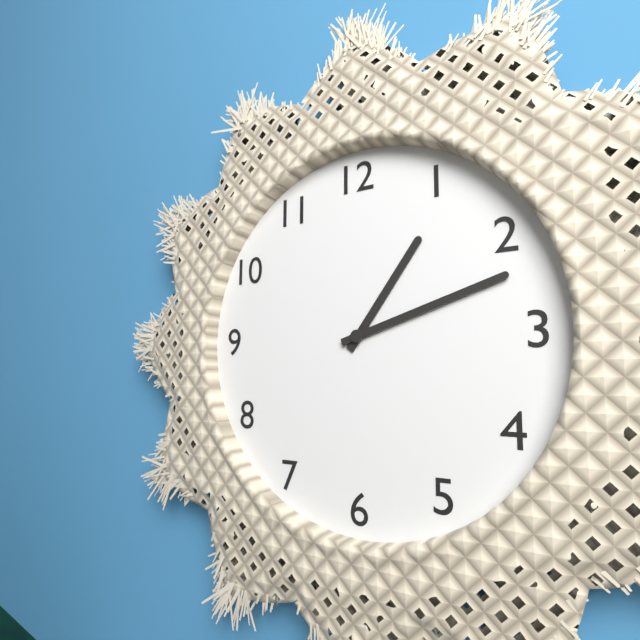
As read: 1:12
